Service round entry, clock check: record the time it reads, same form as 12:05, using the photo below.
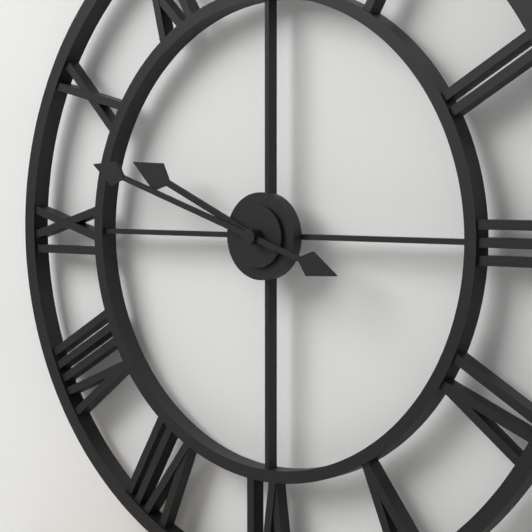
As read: 9:48
